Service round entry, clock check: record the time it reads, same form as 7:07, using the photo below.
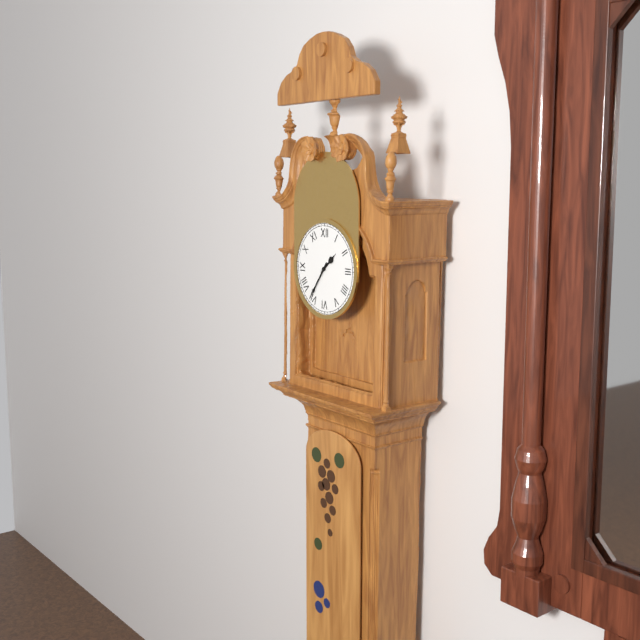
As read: 1:36
